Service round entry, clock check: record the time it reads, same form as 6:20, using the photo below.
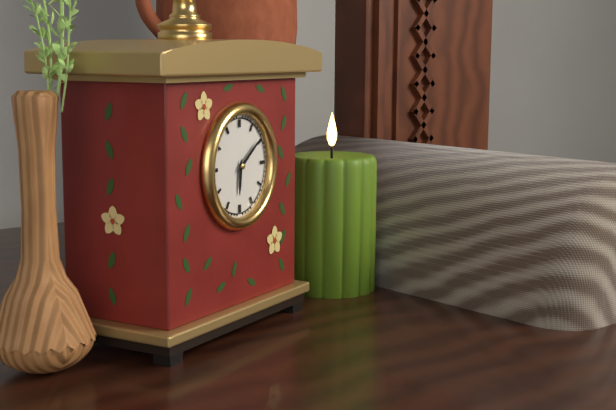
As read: 6:09
